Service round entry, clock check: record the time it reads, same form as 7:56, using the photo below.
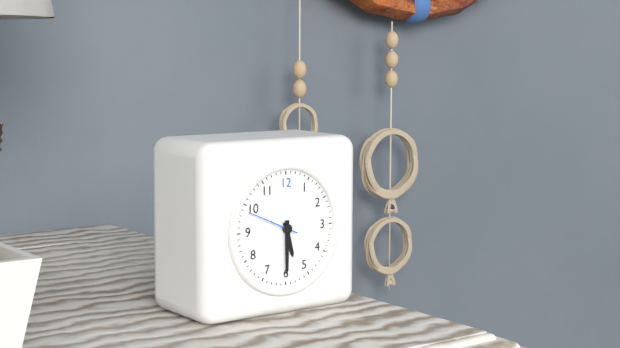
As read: 5:30
